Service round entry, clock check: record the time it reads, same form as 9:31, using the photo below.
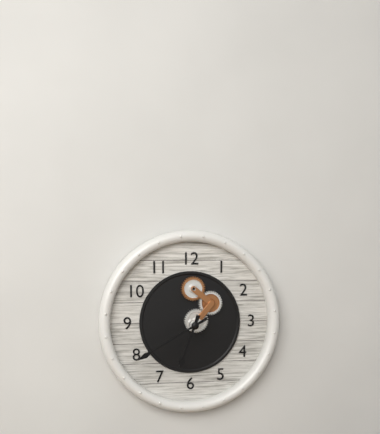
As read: 6:40
